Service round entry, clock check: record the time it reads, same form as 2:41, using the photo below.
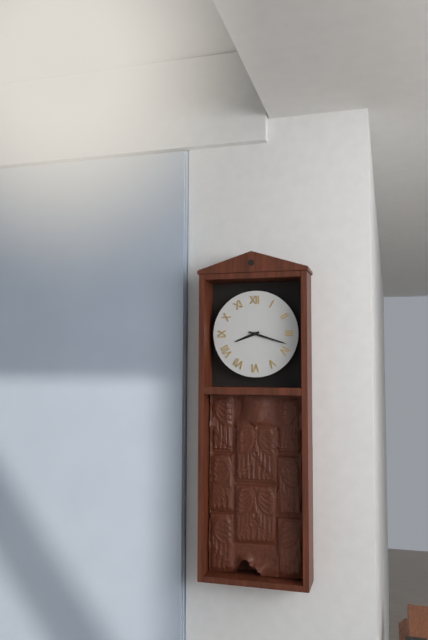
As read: 8:18
